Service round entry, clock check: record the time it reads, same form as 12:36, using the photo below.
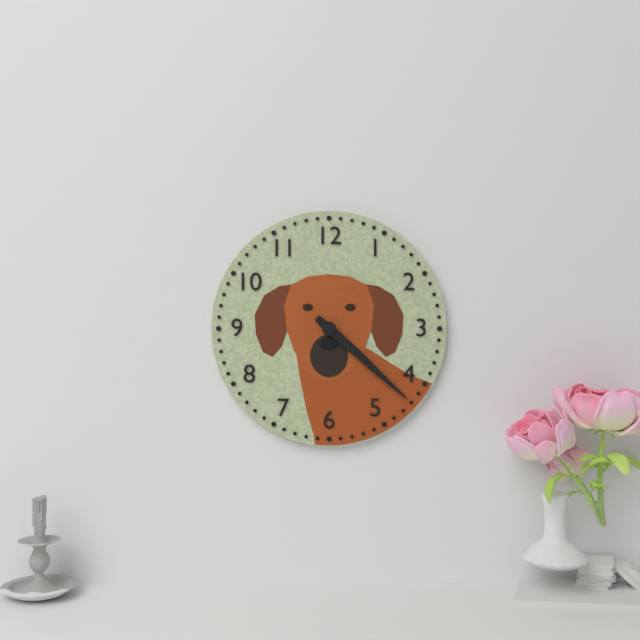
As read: 4:22
